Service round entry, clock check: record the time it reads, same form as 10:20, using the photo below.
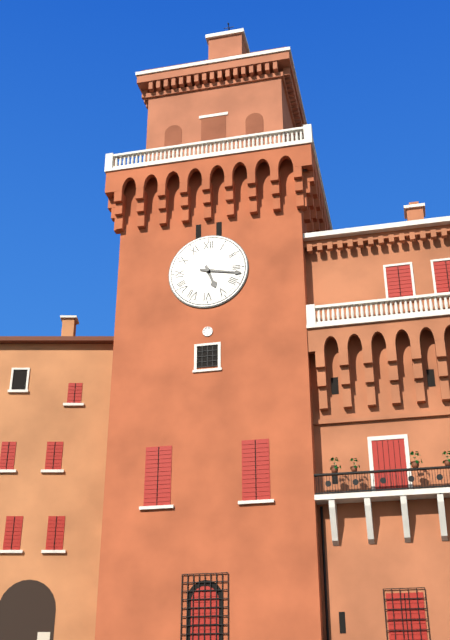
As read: 5:17
